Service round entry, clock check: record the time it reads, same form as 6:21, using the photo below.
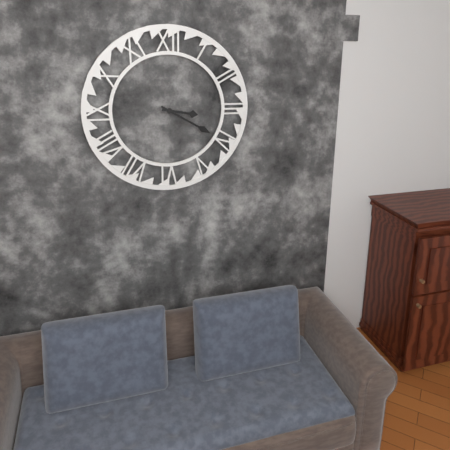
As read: 3:20
